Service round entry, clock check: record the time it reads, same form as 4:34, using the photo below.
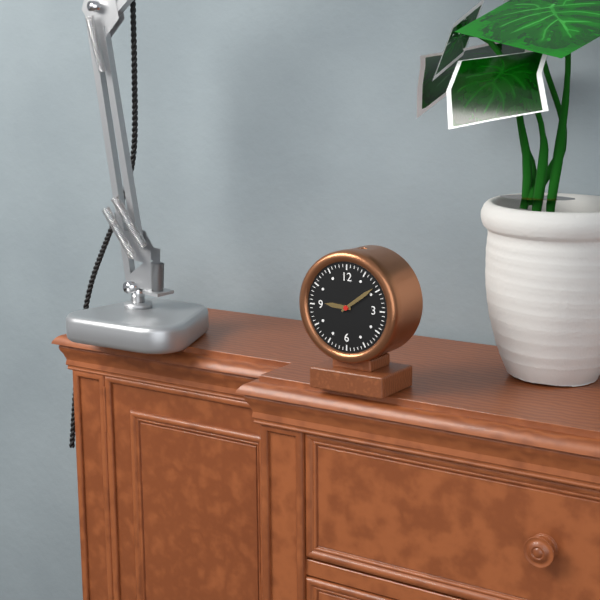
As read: 9:09
